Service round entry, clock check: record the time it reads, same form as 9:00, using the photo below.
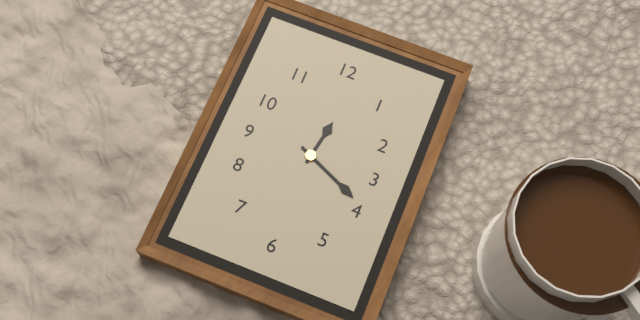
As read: 12:19
